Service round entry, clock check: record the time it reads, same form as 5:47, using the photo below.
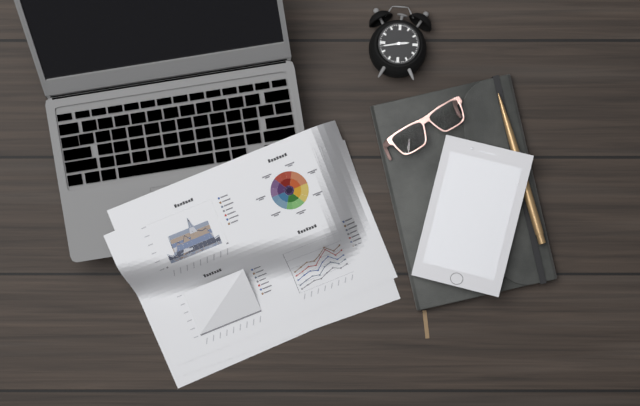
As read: 2:43
